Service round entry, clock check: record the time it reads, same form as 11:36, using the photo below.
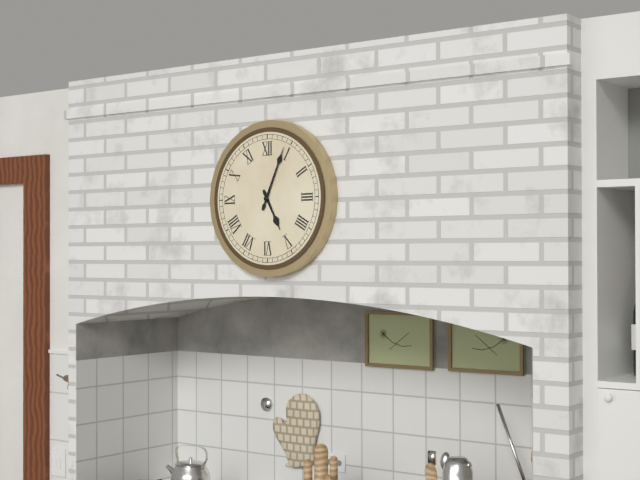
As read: 5:04
